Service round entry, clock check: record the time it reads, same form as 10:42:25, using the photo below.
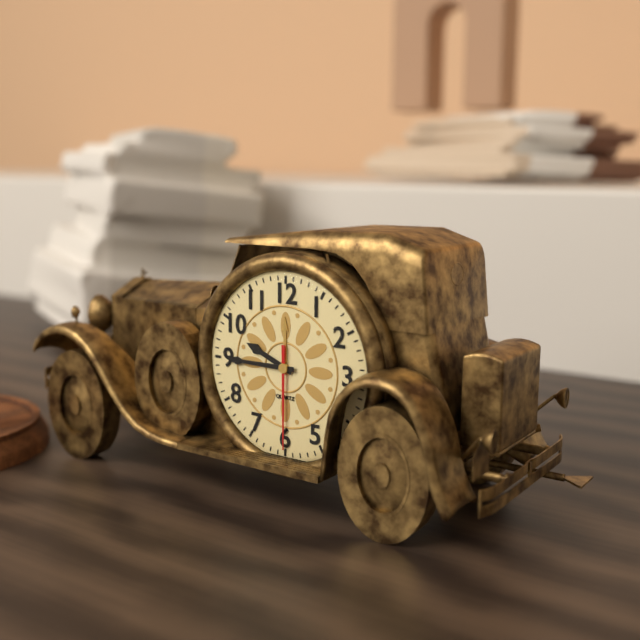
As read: 9:45:30
